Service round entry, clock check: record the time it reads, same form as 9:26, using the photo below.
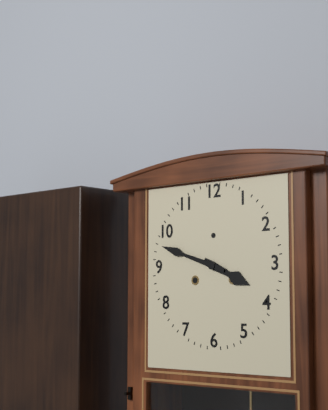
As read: 3:48
